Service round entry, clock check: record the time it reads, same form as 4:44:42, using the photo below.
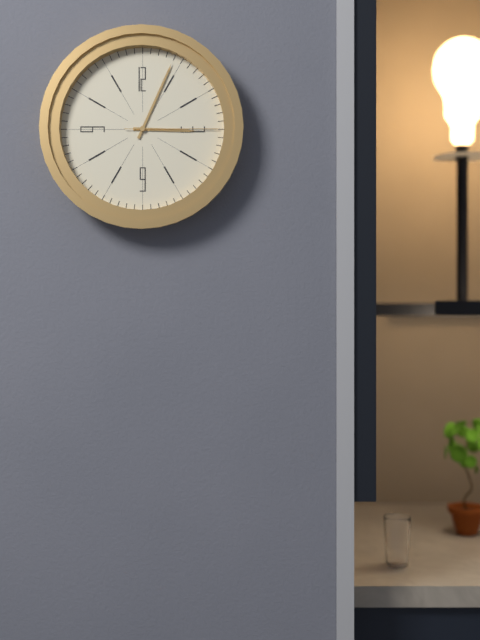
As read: 3:04:15
